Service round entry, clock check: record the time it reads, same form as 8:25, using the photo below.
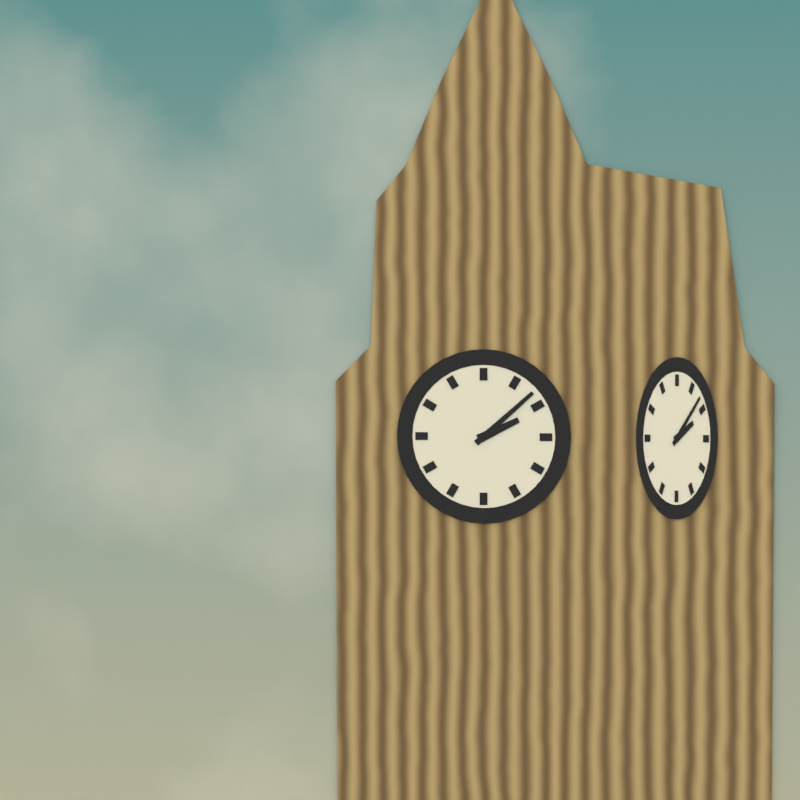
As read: 2:08
